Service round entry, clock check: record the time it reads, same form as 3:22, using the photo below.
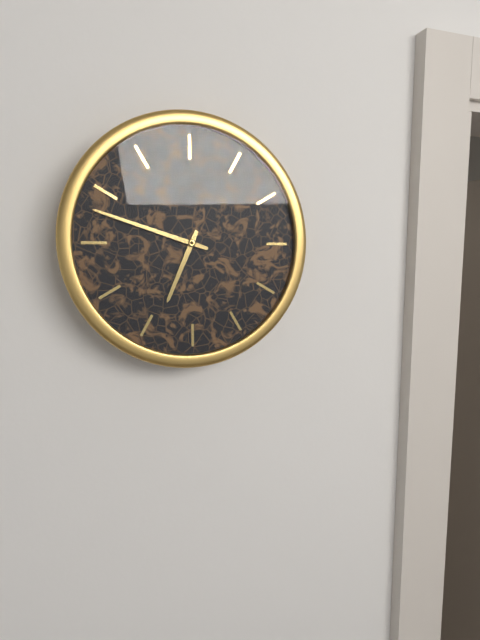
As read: 6:48
